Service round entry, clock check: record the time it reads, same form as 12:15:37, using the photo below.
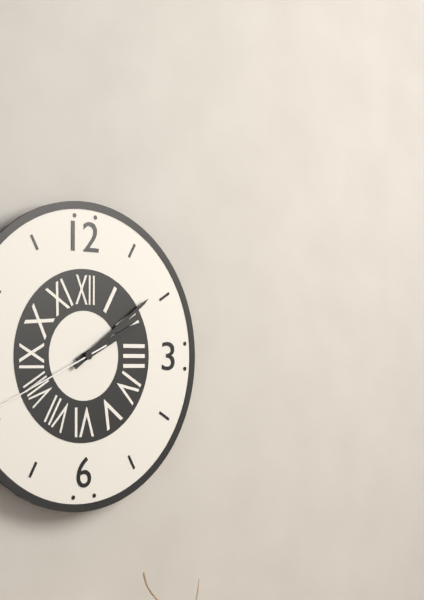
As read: 2:09:41
